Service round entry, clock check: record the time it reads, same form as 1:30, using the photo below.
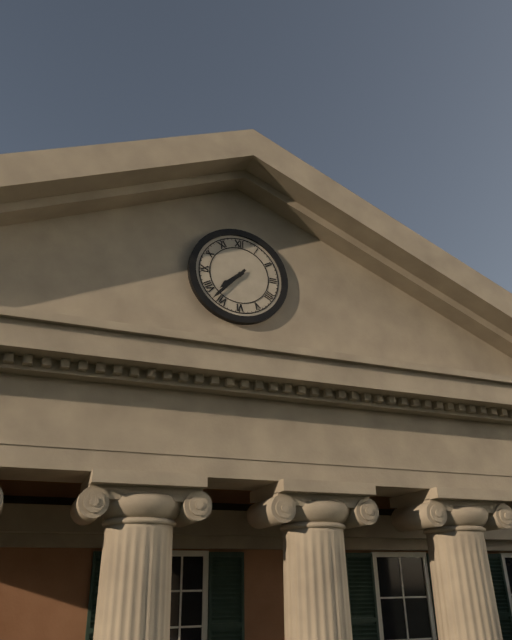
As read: 7:37
